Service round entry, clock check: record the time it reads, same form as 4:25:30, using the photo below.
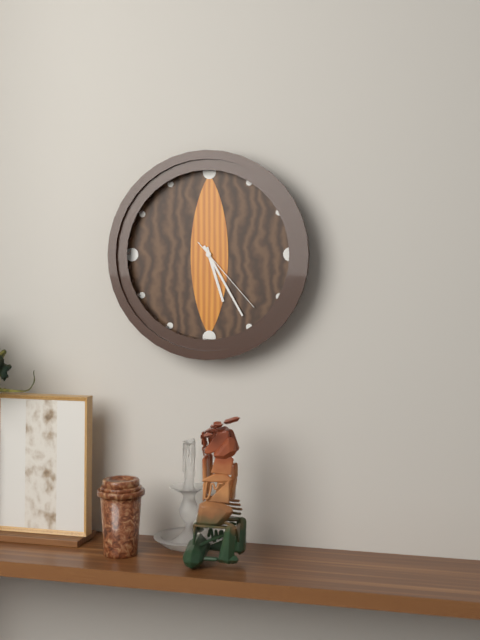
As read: 5:25:23
